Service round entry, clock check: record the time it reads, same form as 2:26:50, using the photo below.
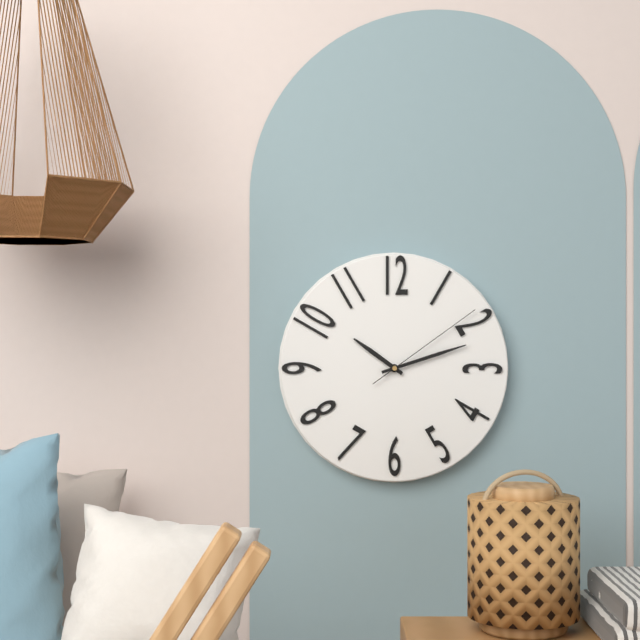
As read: 10:12:09
